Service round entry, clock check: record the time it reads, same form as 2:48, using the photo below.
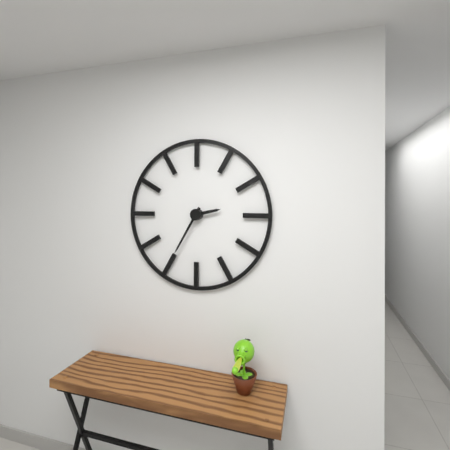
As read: 2:35
